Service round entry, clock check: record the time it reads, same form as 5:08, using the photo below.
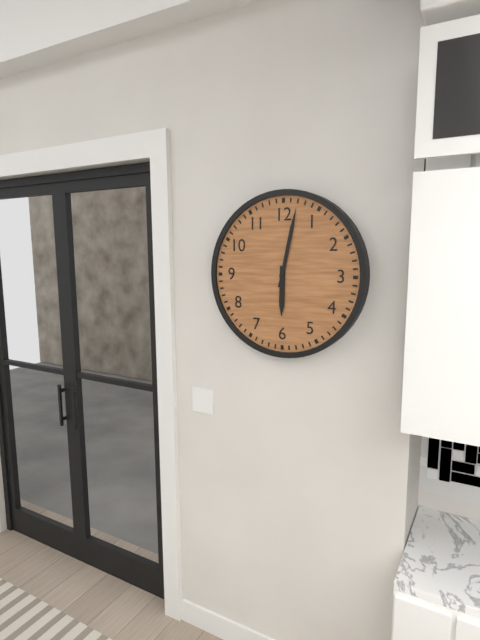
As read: 6:02
